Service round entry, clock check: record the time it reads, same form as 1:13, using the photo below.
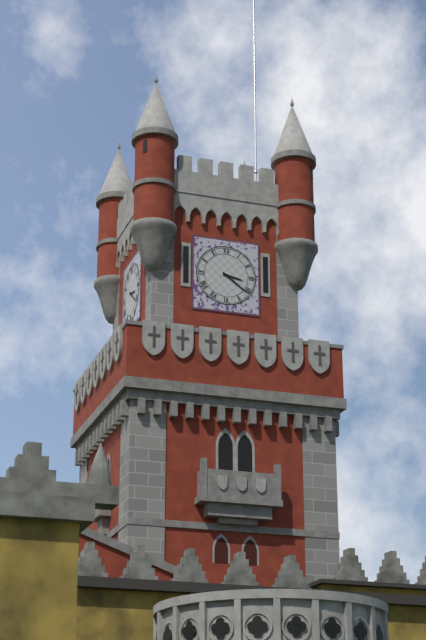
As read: 3:21
